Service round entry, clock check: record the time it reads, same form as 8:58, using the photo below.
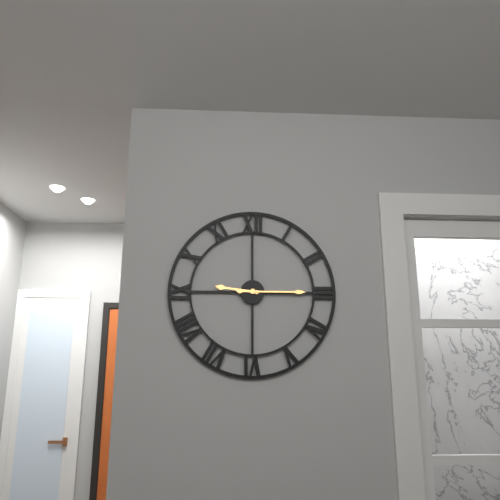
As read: 9:15
